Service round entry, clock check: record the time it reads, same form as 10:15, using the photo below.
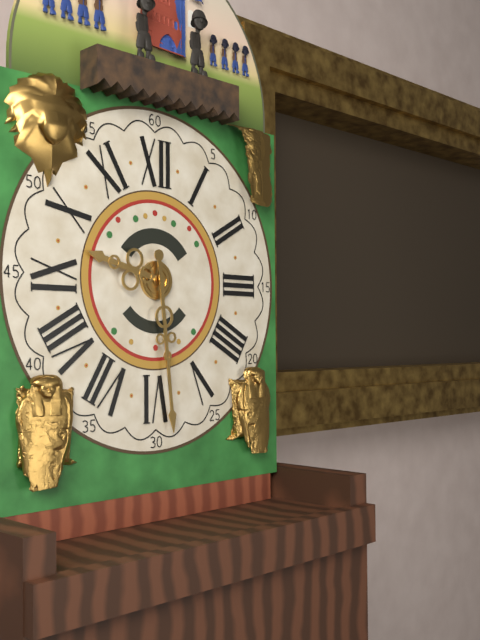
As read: 9:29
